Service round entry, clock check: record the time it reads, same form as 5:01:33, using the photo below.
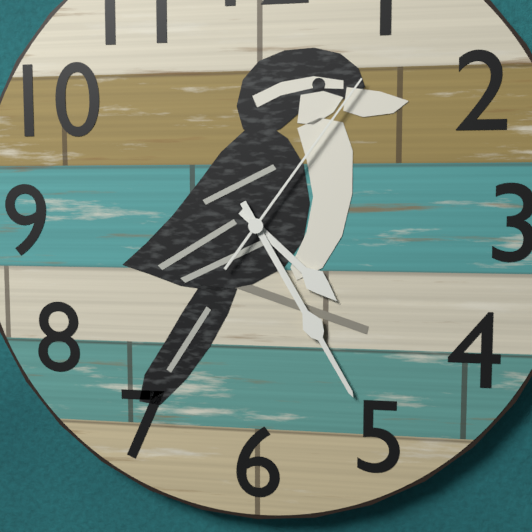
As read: 4:25:06
